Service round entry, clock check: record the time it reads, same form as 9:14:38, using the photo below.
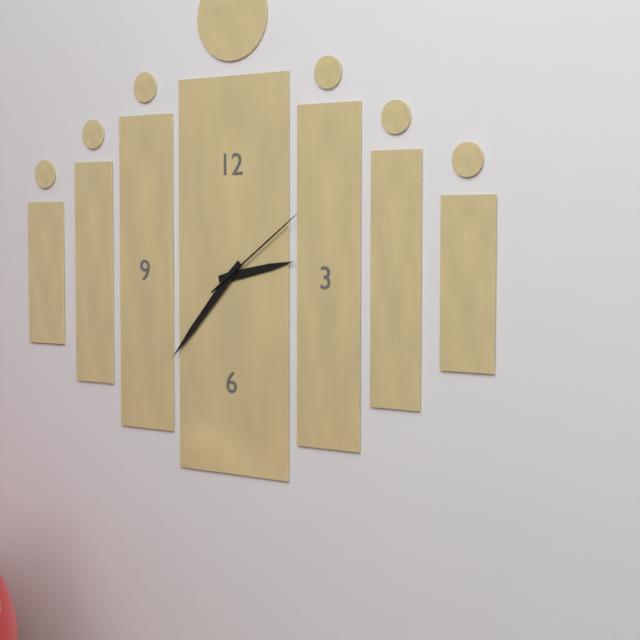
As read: 2:37:09
